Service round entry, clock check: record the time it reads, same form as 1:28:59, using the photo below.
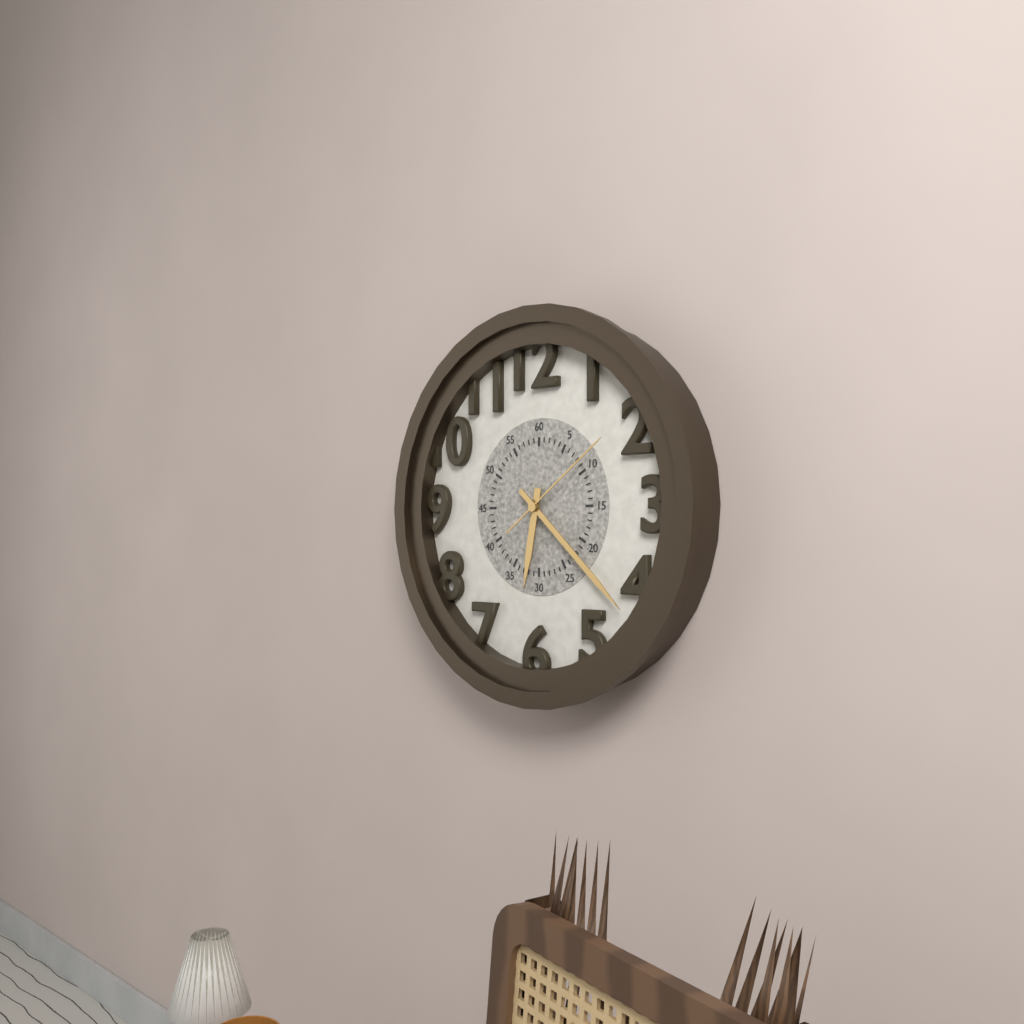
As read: 6:22:09
